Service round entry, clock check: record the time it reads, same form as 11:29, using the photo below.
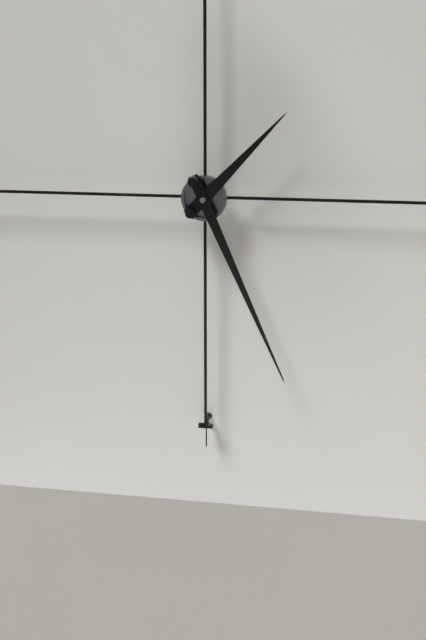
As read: 1:26
